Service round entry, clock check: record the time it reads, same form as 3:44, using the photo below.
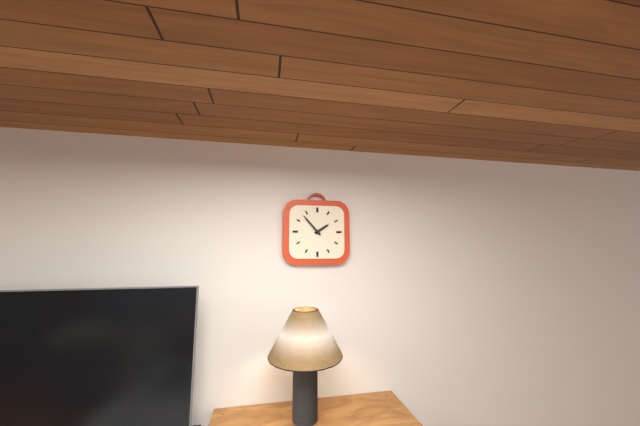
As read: 1:53
